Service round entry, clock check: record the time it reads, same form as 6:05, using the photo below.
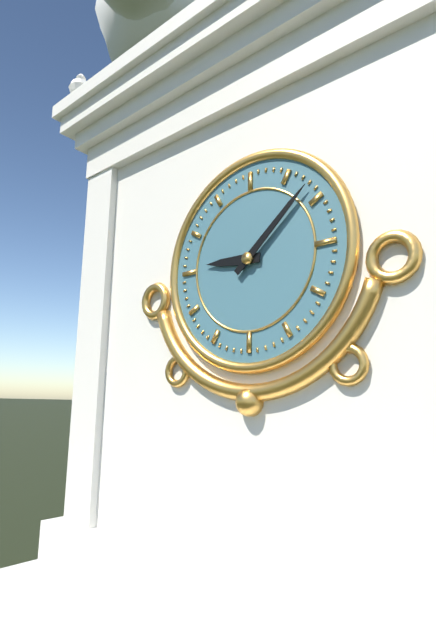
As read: 9:08
